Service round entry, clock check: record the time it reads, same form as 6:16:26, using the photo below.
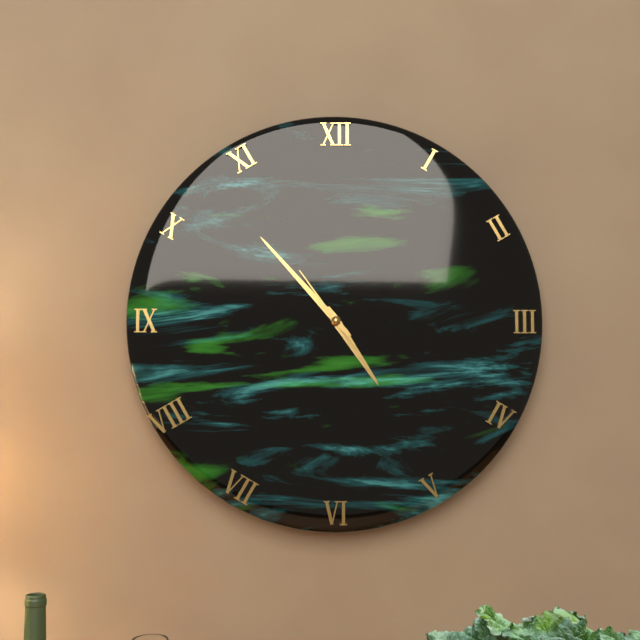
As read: 4:53:54
